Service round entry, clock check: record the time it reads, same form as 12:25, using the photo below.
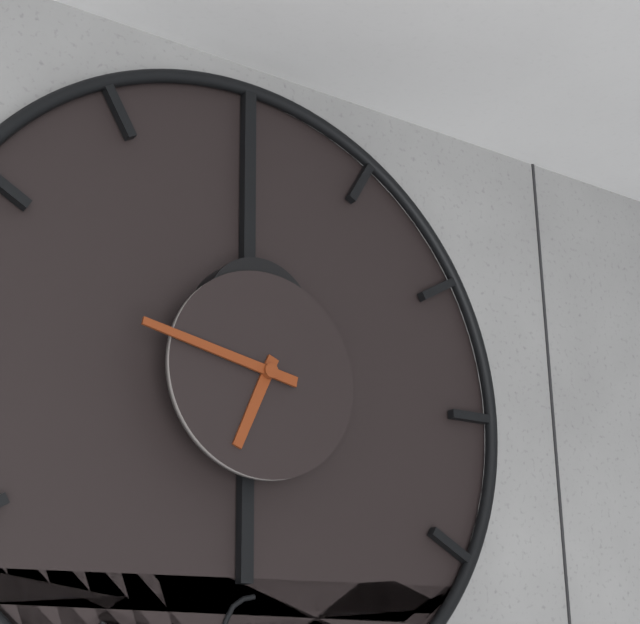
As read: 6:47
